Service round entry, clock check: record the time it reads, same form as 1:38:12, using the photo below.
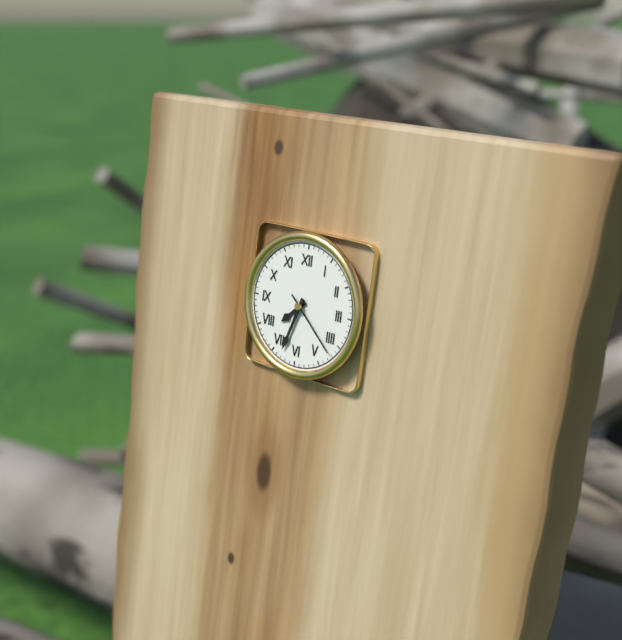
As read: 7:33:22
